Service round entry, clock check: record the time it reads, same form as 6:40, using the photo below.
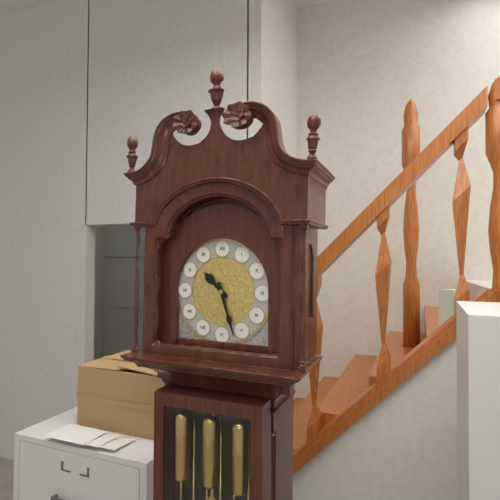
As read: 10:27
